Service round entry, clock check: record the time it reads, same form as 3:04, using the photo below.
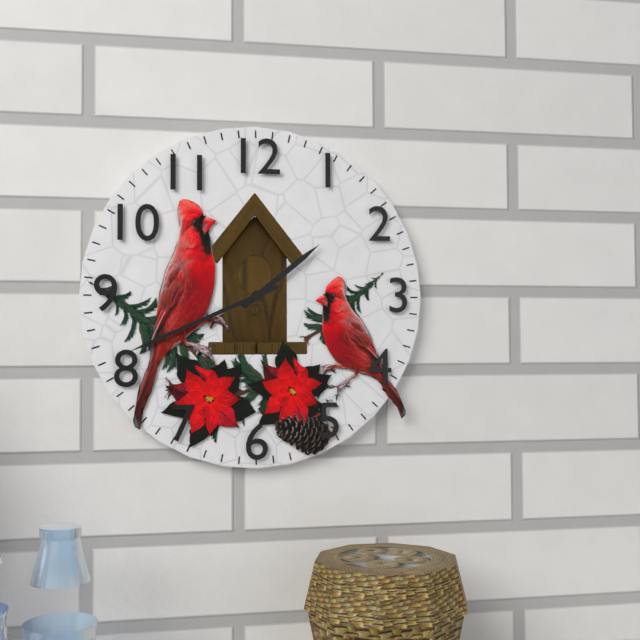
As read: 1:41
